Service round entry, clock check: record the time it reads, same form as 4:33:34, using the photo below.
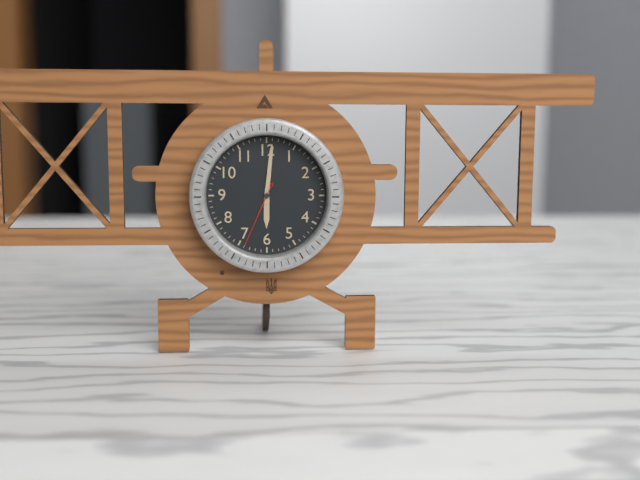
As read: 6:01:34
